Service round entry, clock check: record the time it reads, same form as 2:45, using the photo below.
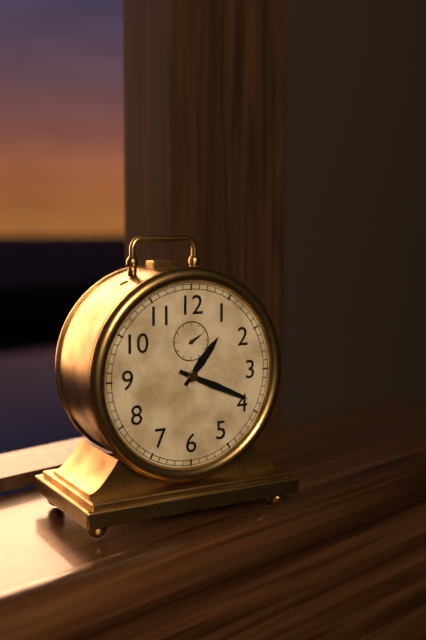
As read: 1:19
